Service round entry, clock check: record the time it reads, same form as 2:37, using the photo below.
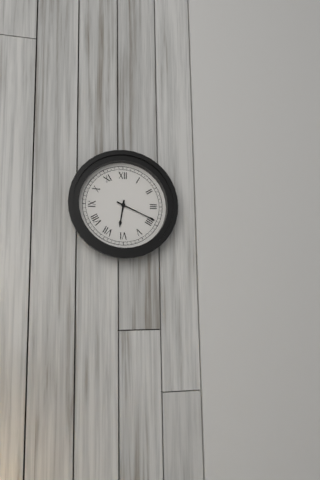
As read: 6:19
